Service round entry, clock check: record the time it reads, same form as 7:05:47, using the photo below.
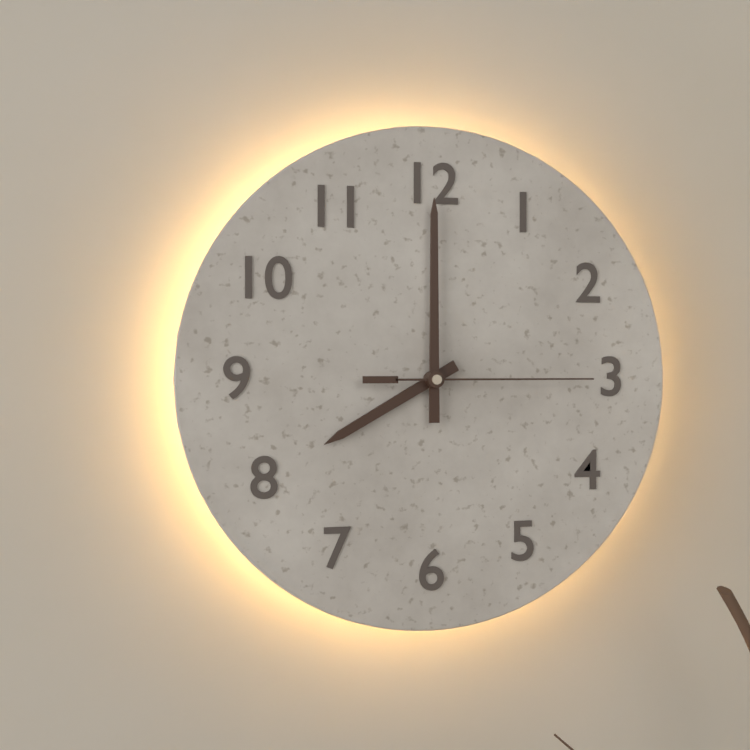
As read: 8:00:15
